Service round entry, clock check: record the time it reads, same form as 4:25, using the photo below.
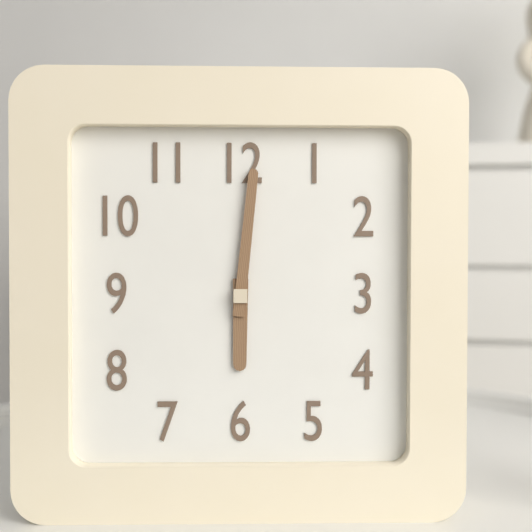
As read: 6:01
